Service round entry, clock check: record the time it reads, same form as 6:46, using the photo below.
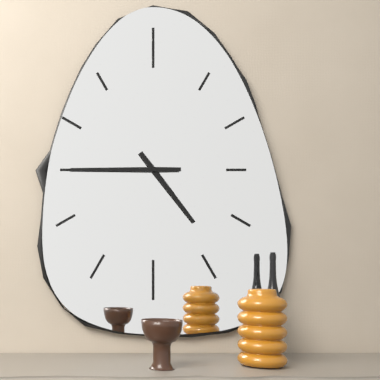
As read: 4:45
